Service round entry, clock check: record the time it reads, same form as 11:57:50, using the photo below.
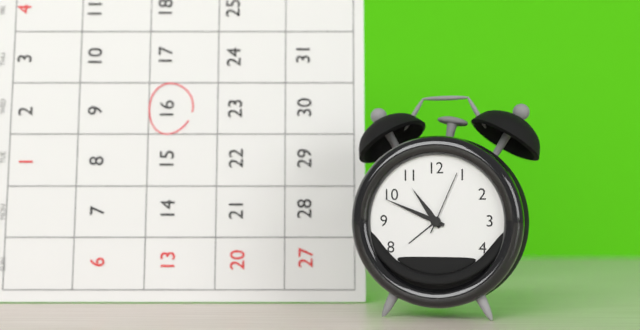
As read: 10:49:04
